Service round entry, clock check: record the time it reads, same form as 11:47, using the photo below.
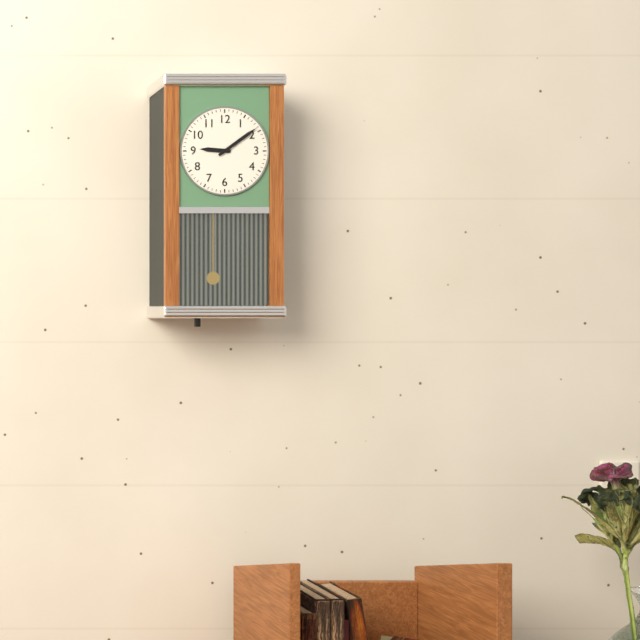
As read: 9:09
